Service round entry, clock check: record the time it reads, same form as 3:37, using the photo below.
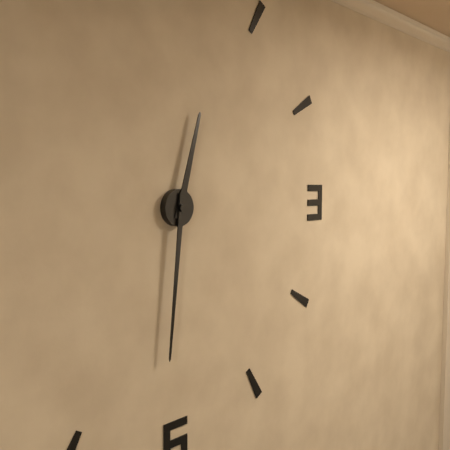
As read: 12:31
